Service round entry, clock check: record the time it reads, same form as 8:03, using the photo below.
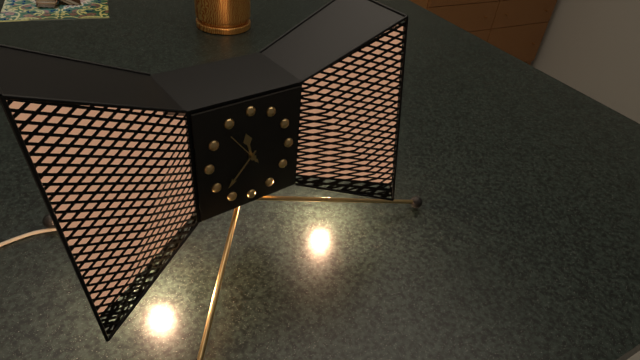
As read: 11:37
